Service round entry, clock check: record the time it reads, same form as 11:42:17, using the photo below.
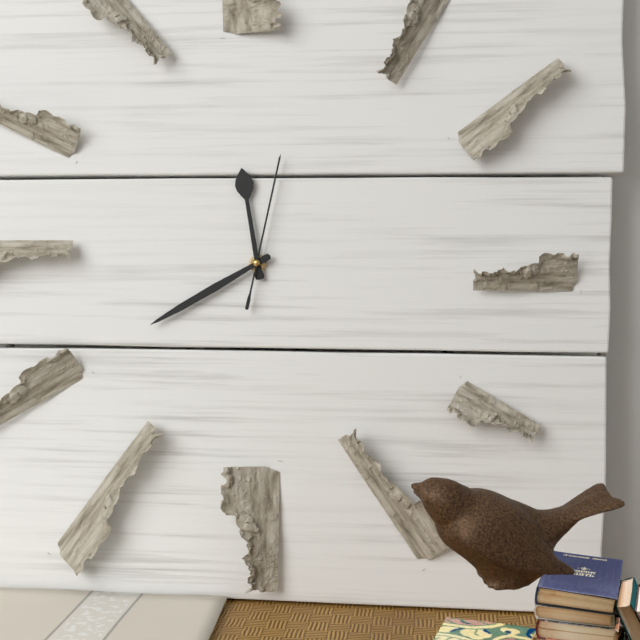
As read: 11:40:02
